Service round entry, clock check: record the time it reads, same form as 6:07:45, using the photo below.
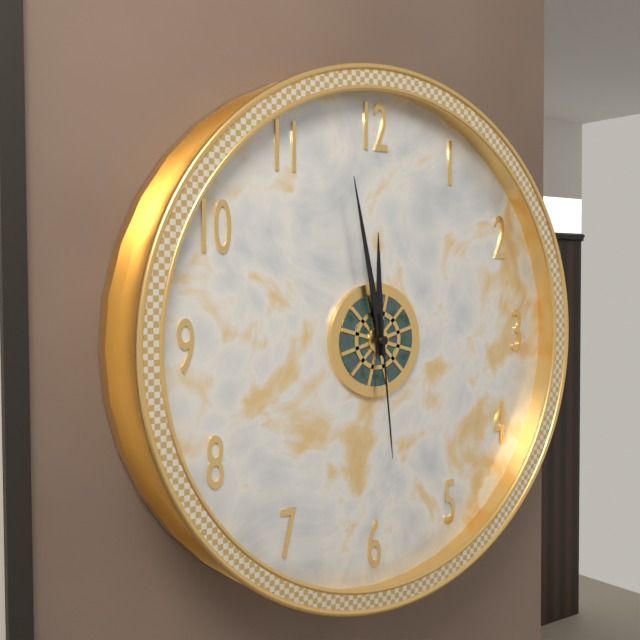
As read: 11:58:29
